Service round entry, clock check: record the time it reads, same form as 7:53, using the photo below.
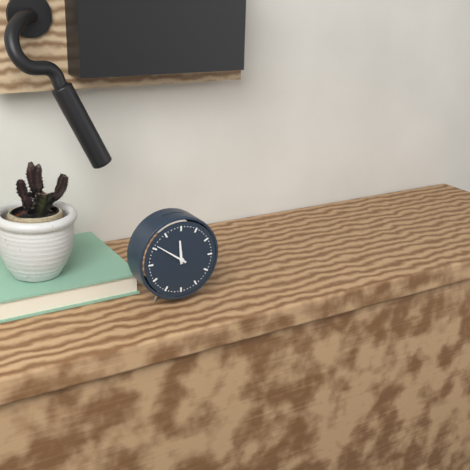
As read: 11:51
